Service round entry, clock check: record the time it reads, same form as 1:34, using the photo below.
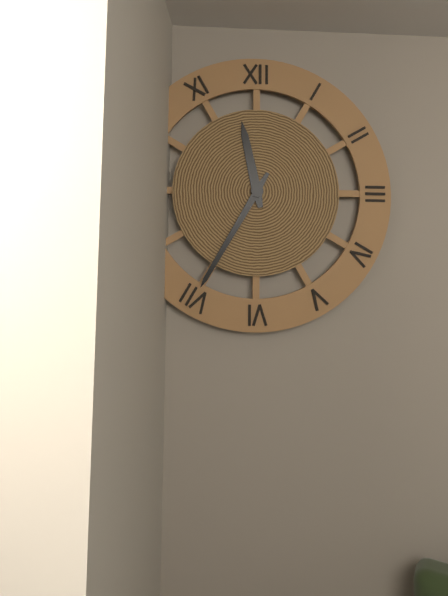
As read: 11:35
